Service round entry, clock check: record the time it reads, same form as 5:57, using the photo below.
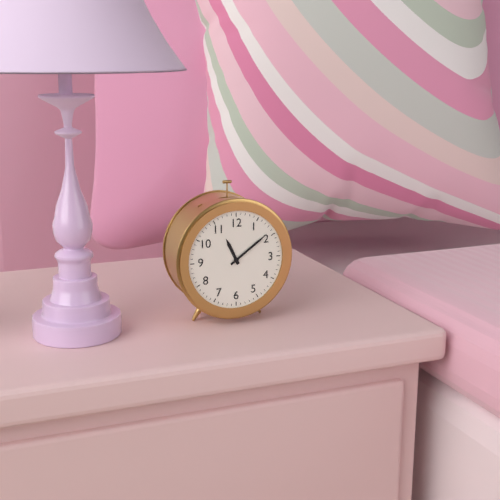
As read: 11:09
